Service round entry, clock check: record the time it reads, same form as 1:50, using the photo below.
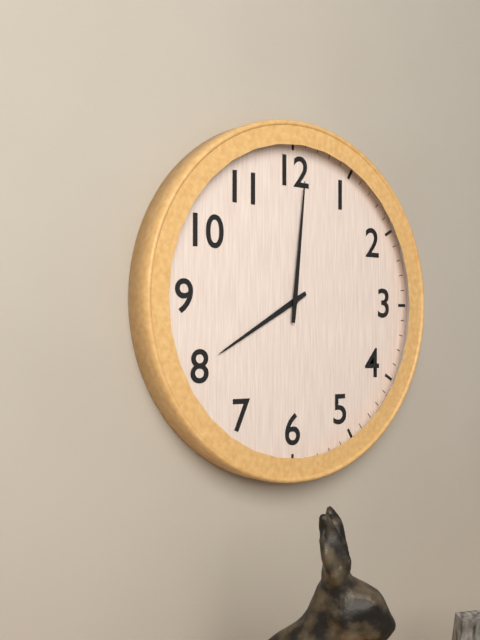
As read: 8:01
